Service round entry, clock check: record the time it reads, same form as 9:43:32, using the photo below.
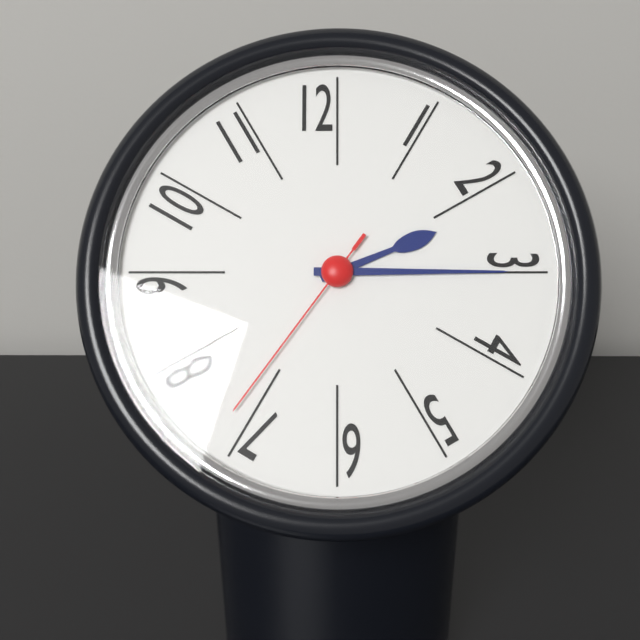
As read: 2:15:36
